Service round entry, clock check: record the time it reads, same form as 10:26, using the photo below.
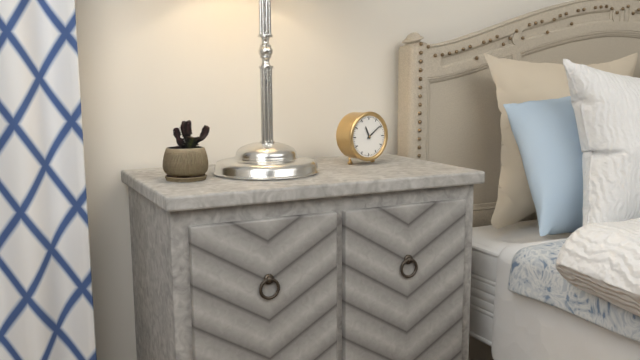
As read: 11:09
